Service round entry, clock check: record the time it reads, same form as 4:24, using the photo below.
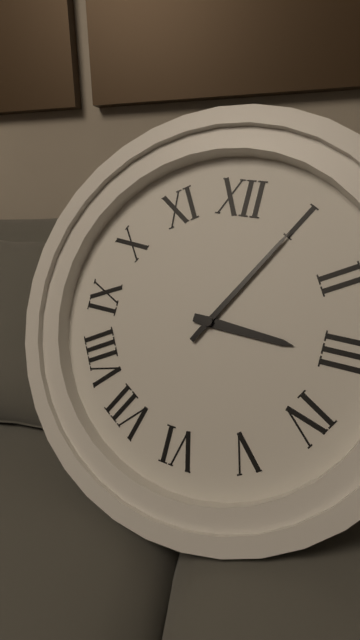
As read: 3:05
